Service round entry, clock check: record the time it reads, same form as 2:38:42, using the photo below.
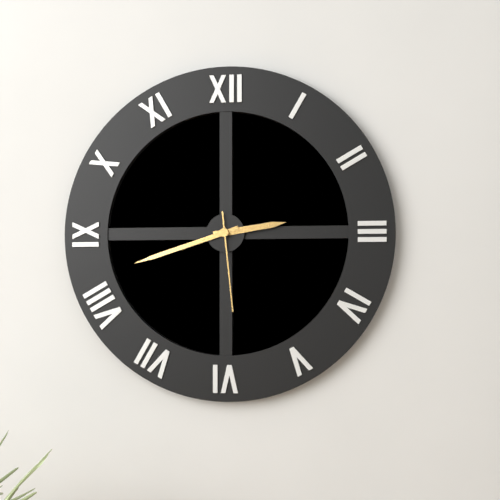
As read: 2:42:29
